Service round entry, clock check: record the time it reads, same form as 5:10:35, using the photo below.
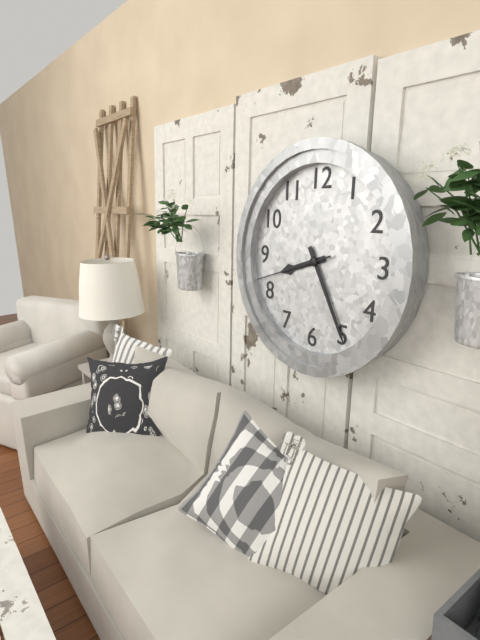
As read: 8:25:42
